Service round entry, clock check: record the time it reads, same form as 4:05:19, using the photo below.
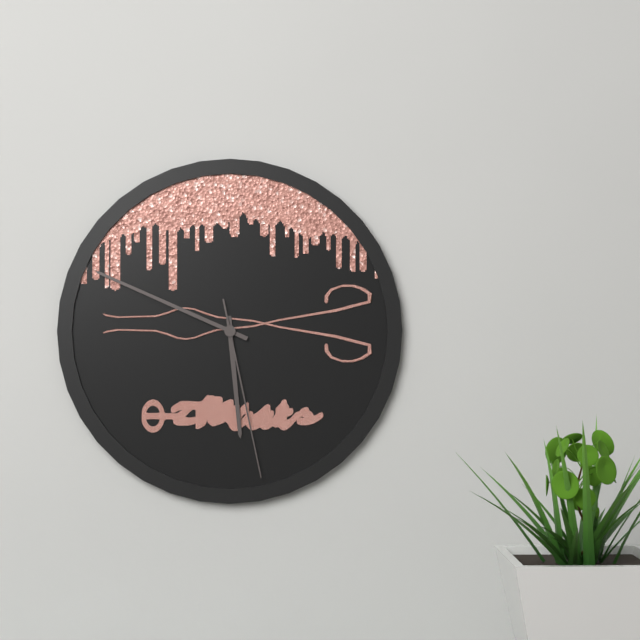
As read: 5:49:28
